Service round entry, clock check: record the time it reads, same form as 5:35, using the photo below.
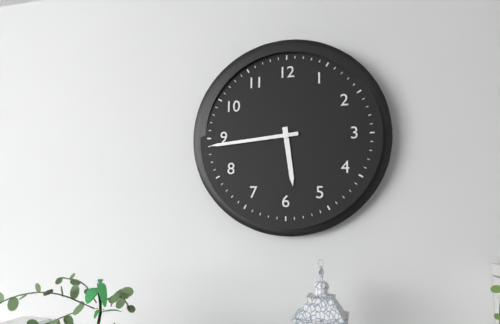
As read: 5:44
